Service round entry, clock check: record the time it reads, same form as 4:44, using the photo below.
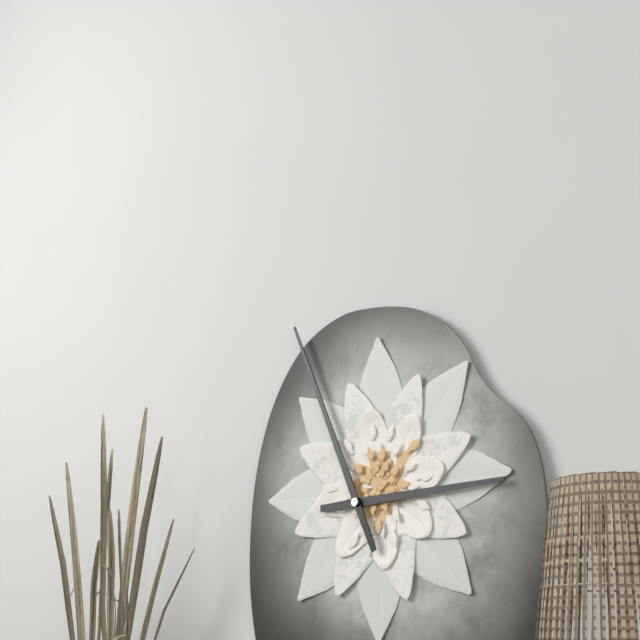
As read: 2:56
